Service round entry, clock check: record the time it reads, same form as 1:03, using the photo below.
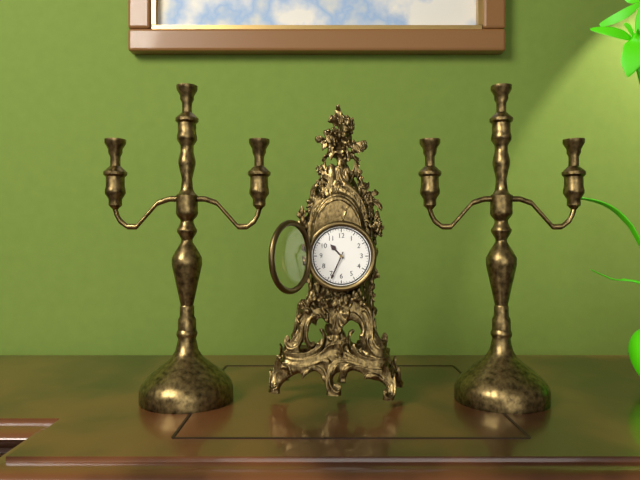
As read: 10:34
